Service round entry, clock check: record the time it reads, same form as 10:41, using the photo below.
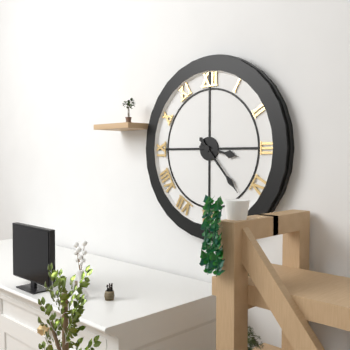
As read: 3:23
